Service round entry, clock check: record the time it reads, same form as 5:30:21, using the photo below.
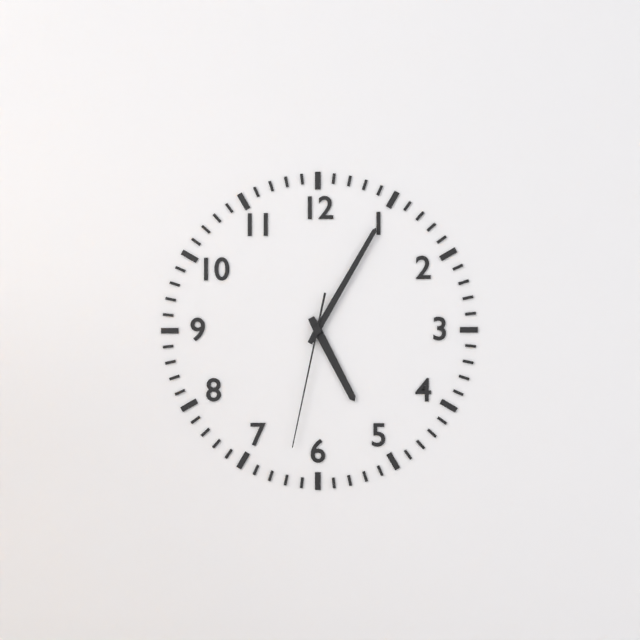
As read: 5:05:32
